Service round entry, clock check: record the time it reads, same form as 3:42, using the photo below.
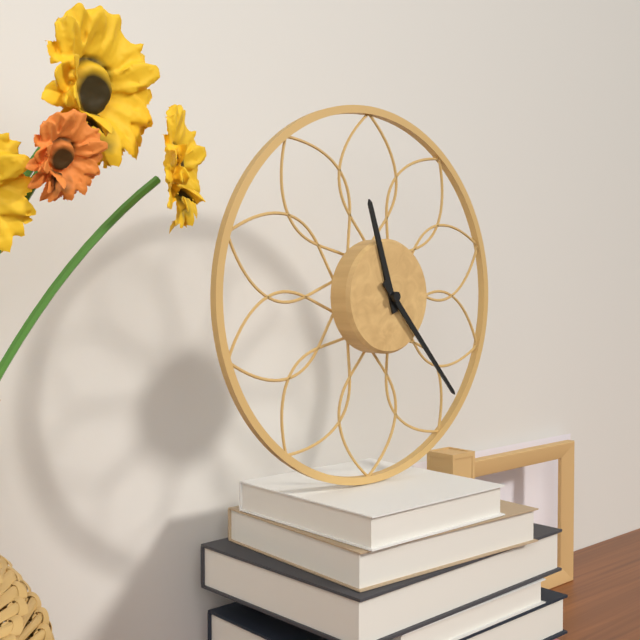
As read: 11:23
